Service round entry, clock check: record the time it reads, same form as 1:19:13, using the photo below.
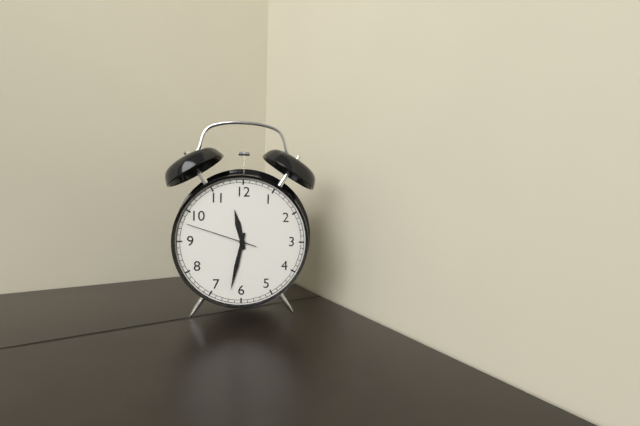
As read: 11:32:48
